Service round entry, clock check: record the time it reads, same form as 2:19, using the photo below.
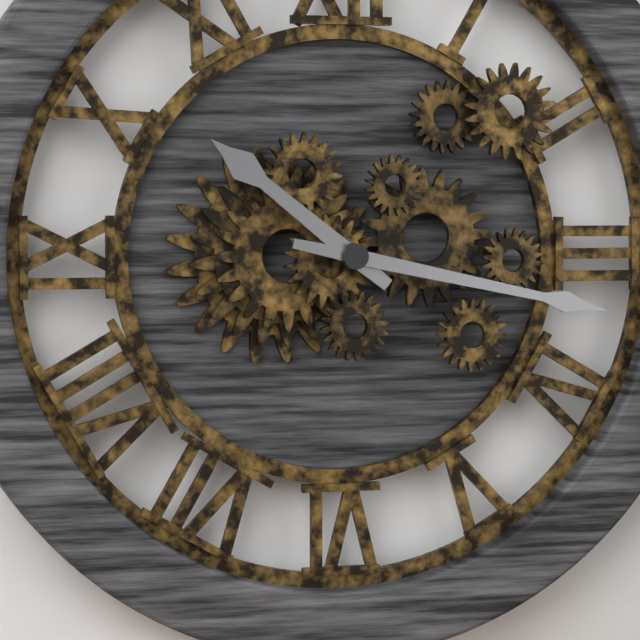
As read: 10:17
